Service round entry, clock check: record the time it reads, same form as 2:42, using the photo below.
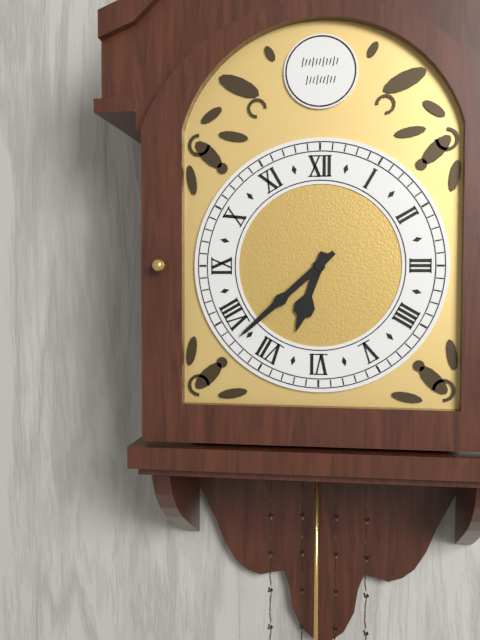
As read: 6:38
